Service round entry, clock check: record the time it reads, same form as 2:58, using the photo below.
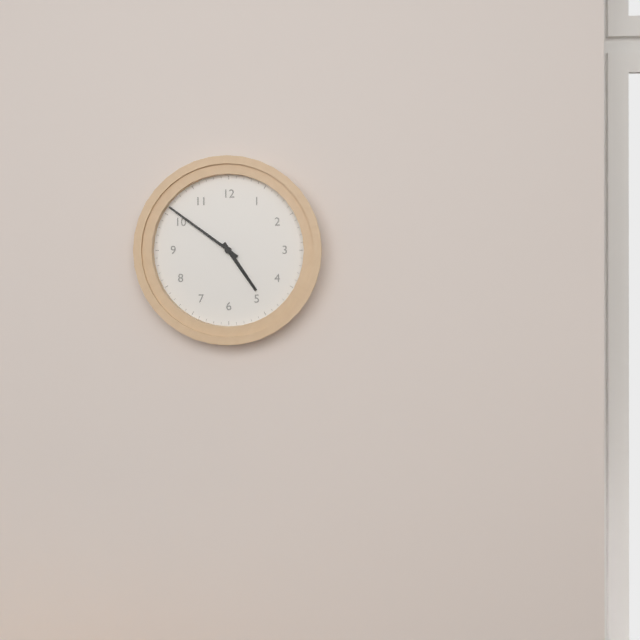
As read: 4:51
